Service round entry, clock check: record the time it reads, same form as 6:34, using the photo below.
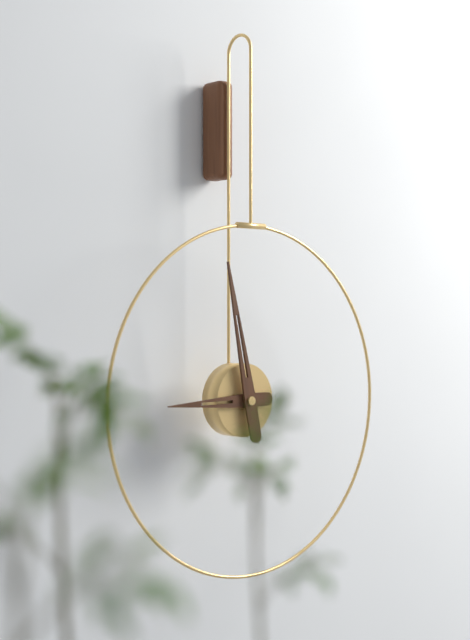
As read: 8:58
